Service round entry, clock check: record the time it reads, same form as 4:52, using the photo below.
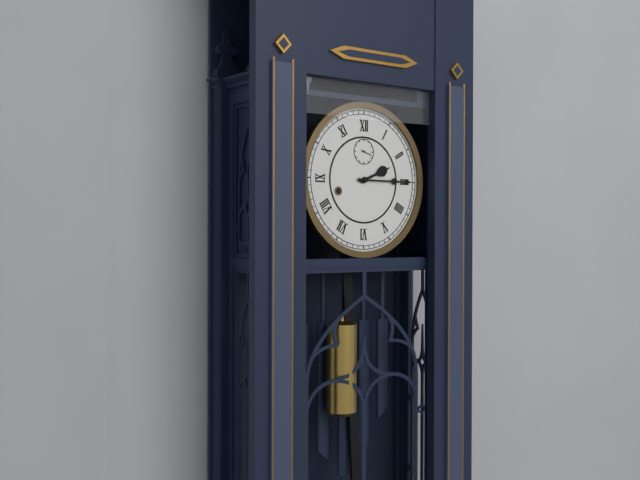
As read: 2:15
